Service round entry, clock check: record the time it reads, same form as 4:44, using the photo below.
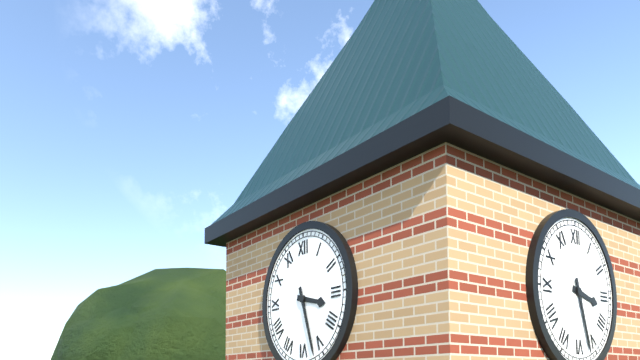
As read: 3:27
